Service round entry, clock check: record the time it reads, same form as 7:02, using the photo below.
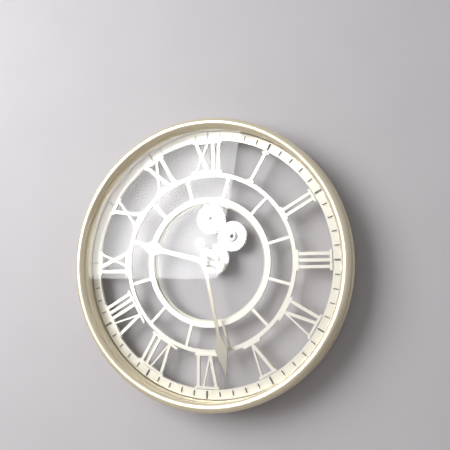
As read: 9:28
